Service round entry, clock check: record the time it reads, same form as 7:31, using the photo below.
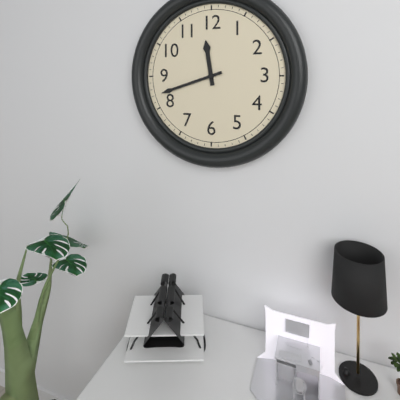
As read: 11:42
